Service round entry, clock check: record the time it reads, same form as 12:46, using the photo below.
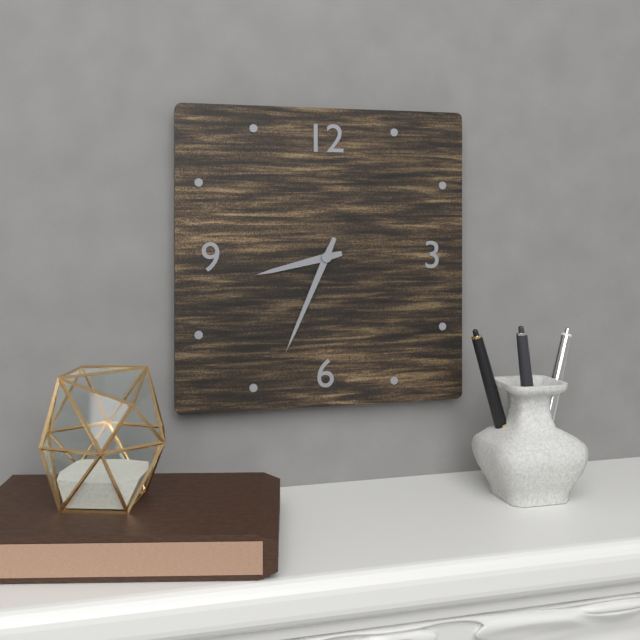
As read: 8:34
